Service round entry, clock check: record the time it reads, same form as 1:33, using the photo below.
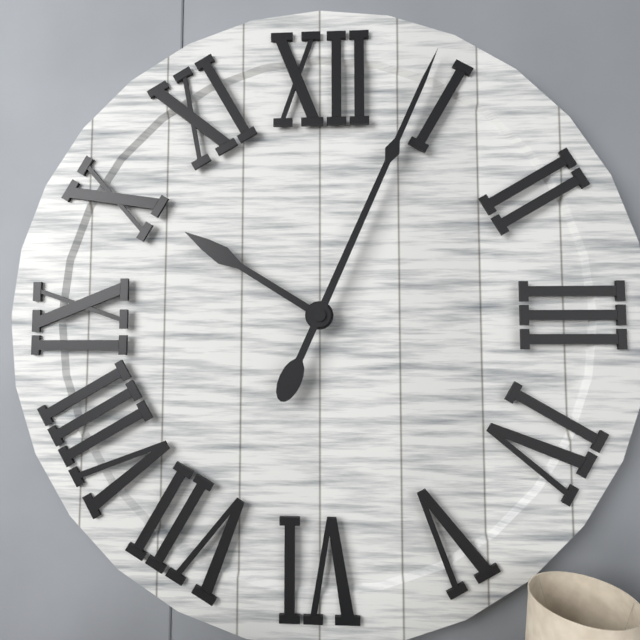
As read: 10:04
